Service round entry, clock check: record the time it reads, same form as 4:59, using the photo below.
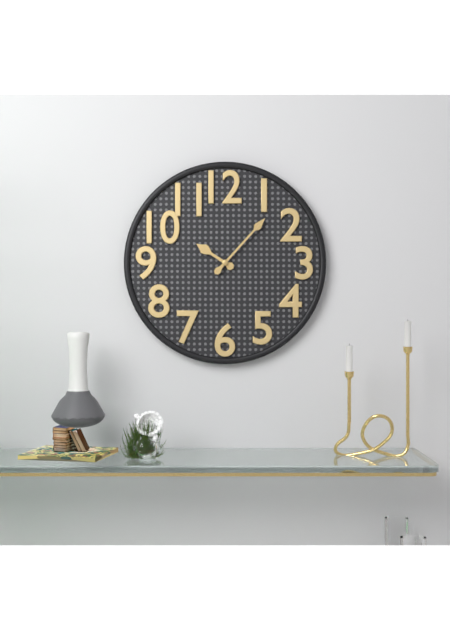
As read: 10:07
